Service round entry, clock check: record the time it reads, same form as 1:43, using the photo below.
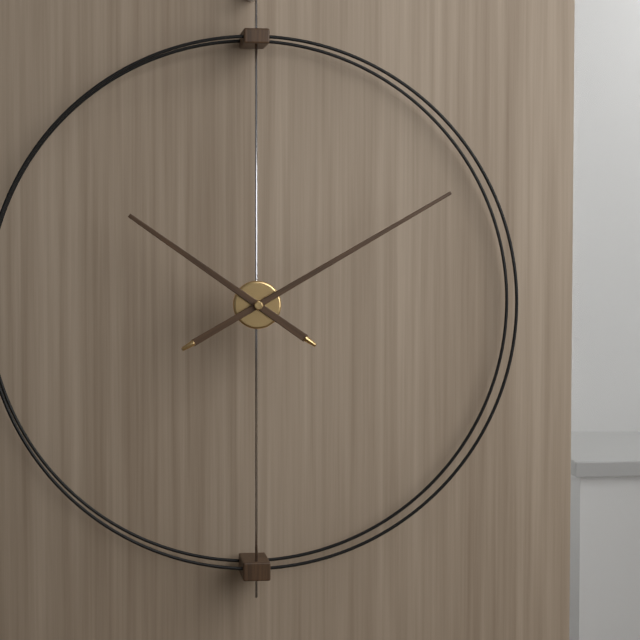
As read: 10:10
